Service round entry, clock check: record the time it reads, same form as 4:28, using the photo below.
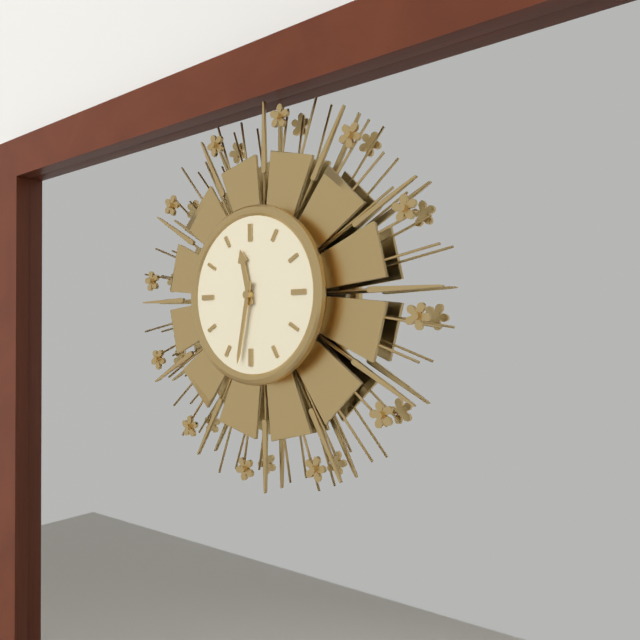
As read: 11:32
